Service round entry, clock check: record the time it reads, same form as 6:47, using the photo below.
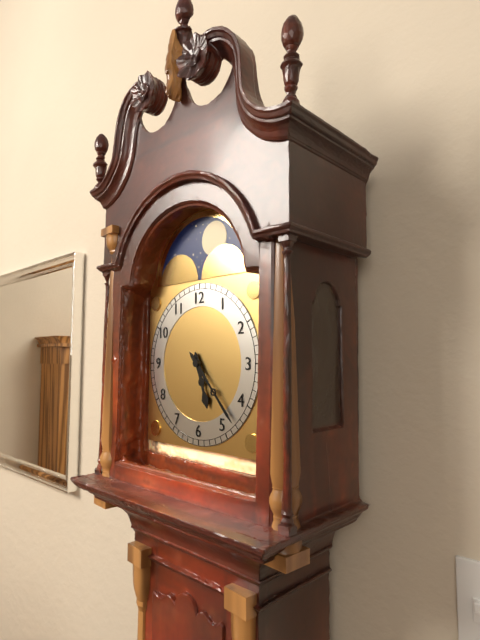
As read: 5:23
